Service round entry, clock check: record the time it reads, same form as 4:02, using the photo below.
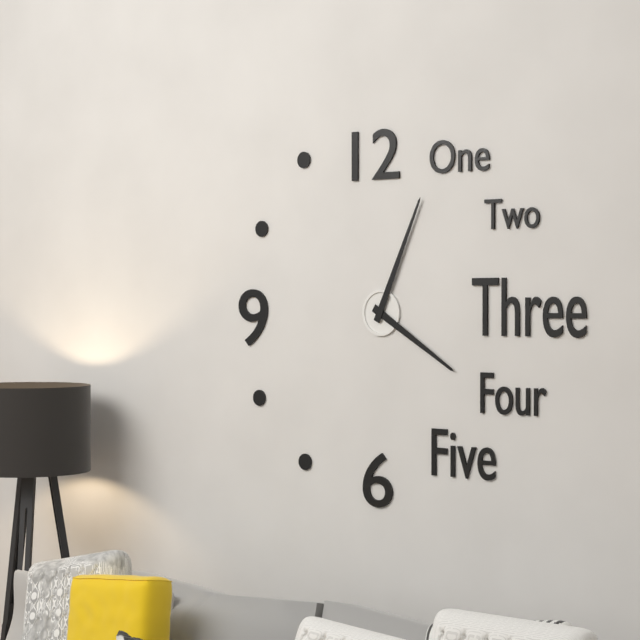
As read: 4:04
